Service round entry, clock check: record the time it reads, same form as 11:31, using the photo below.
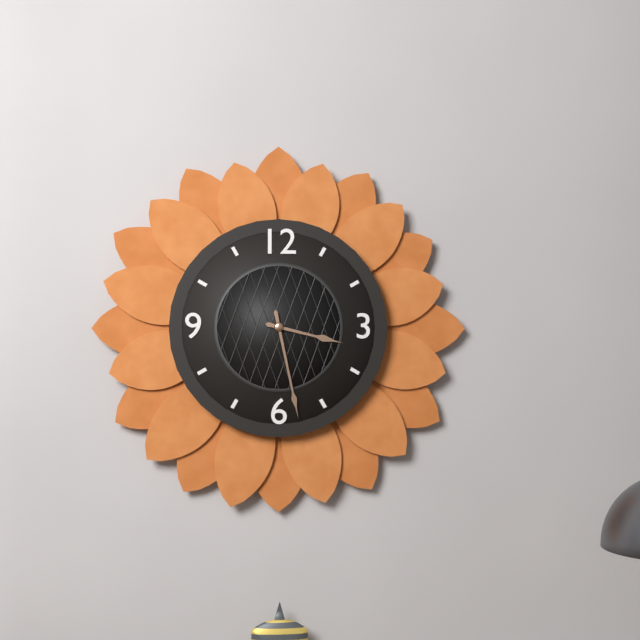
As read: 3:28
